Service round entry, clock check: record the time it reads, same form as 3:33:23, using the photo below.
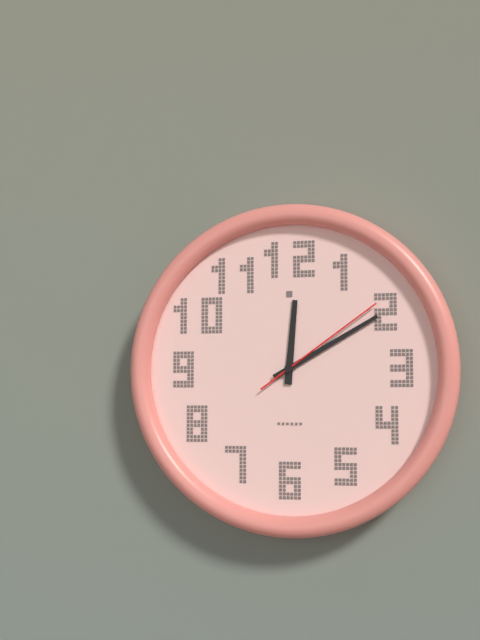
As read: 12:10:09
